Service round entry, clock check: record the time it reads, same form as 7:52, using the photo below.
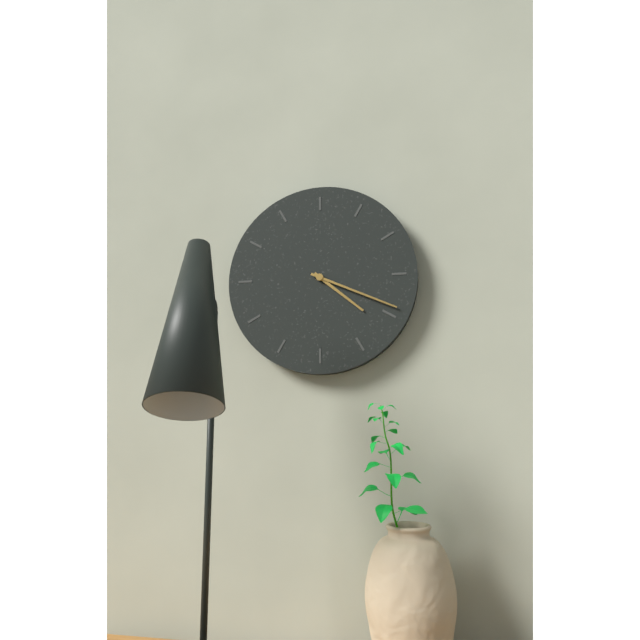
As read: 4:19
